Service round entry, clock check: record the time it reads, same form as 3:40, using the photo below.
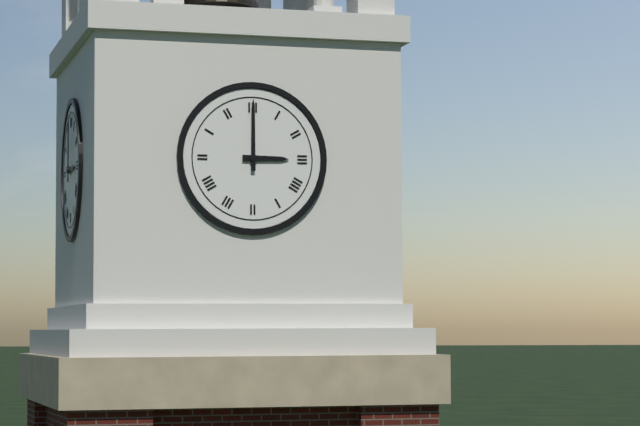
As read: 3:00
